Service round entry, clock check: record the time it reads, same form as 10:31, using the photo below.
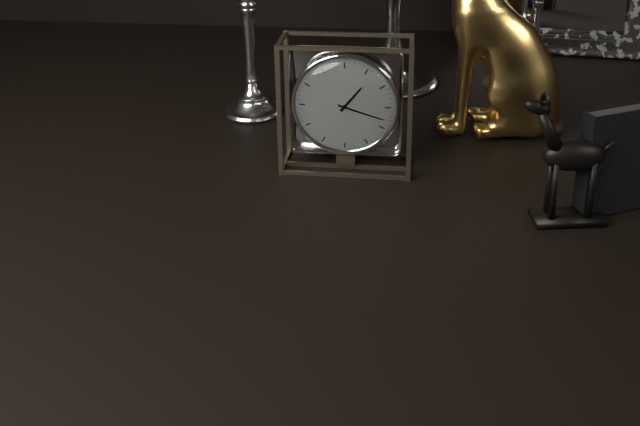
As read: 1:18
